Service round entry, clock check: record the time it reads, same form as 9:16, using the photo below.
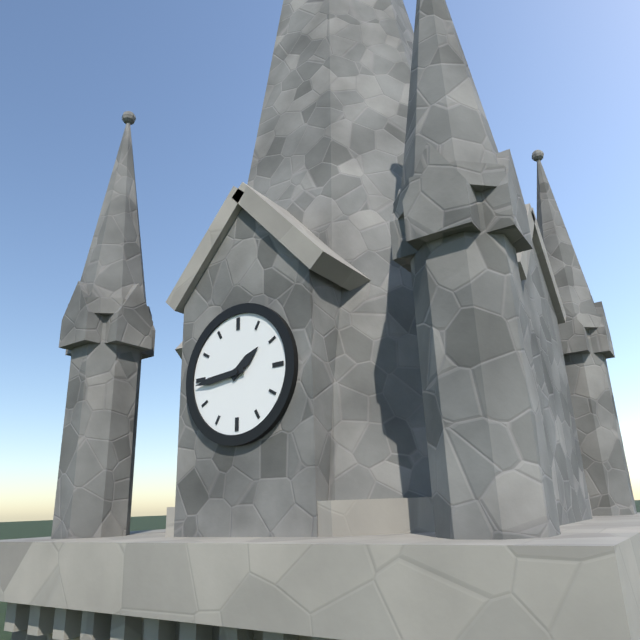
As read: 1:44
